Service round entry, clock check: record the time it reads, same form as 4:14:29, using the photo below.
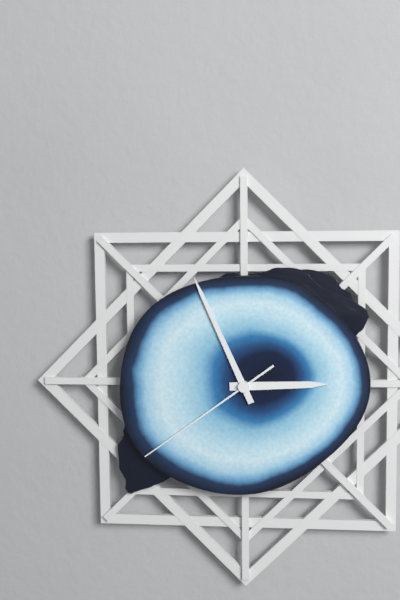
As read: 2:56:39
